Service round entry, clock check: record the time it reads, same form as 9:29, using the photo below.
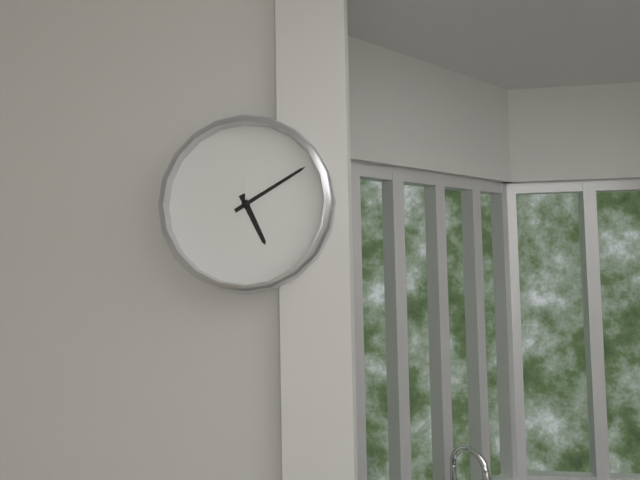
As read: 5:10
